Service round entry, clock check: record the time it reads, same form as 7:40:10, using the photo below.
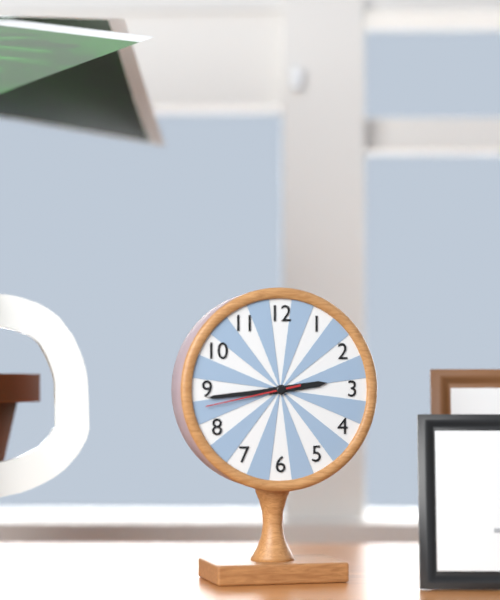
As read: 2:44:43
